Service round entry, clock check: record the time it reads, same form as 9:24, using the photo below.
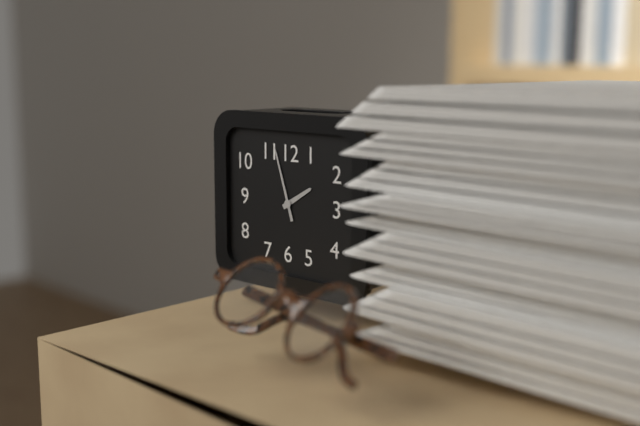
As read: 1:57
